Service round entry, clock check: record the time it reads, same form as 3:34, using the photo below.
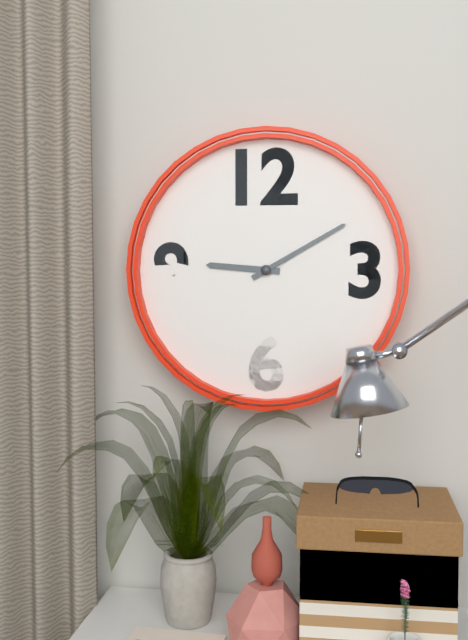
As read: 9:10
